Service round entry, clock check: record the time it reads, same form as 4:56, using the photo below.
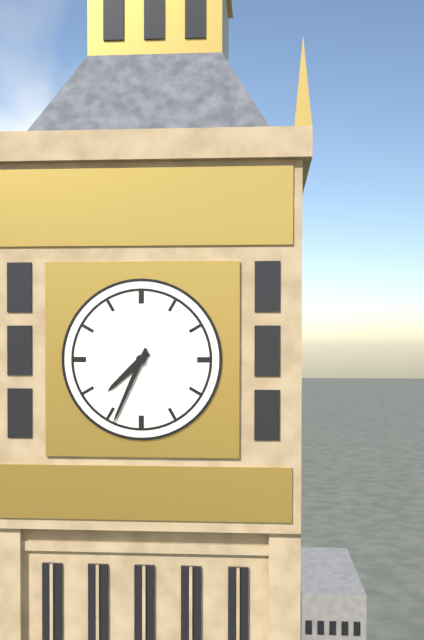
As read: 7:34
